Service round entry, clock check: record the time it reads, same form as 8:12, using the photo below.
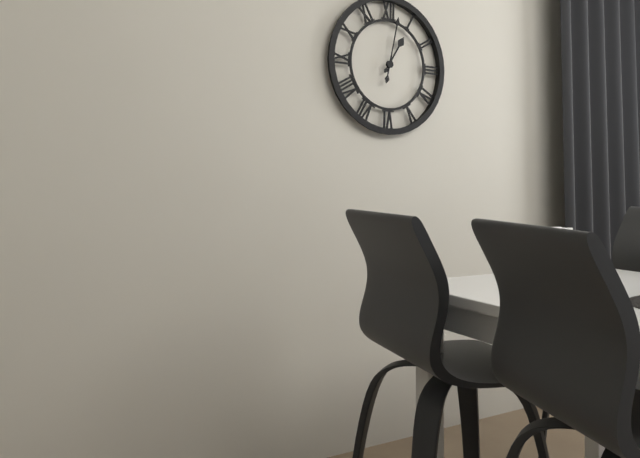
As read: 1:02
